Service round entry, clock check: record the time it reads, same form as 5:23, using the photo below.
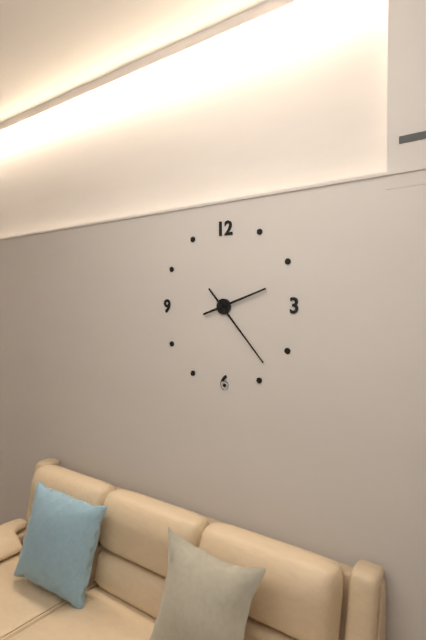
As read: 2:23
